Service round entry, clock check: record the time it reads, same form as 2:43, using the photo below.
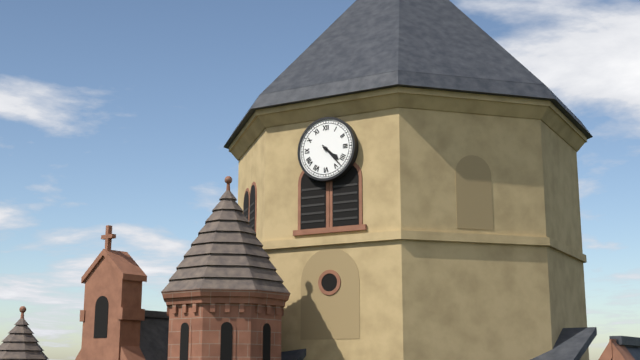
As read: 4:23
